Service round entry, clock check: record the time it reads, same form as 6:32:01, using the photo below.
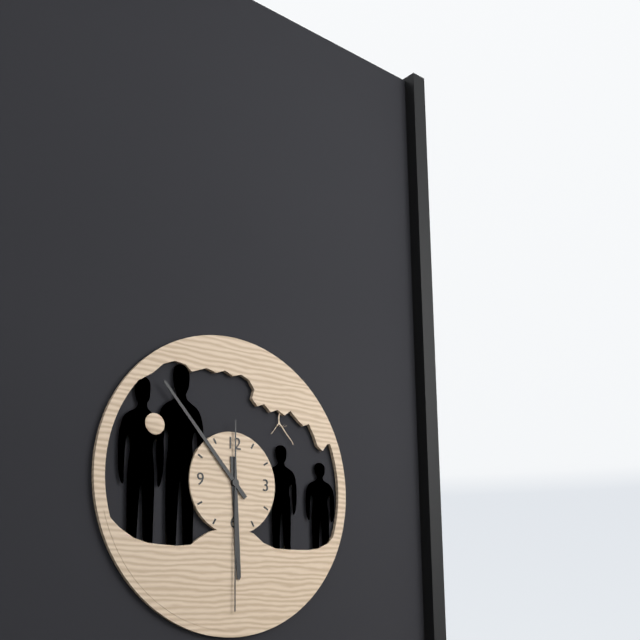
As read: 5:53:30
